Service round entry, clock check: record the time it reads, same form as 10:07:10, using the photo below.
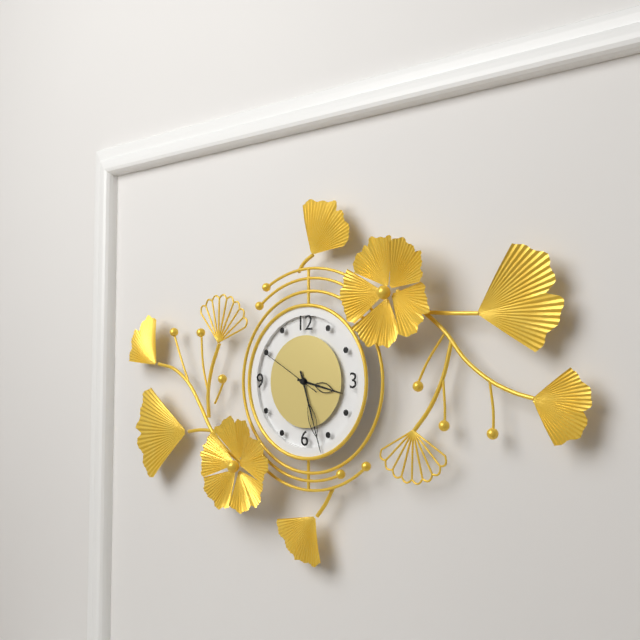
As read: 3:27:50
